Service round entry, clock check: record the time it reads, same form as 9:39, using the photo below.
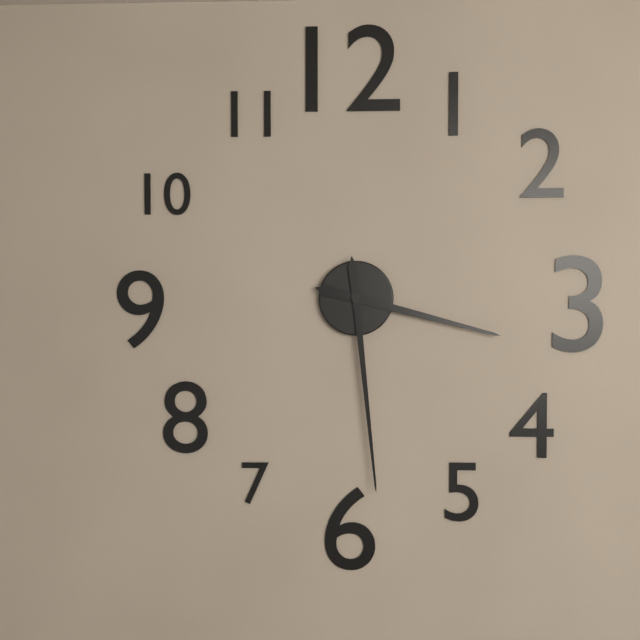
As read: 3:29
